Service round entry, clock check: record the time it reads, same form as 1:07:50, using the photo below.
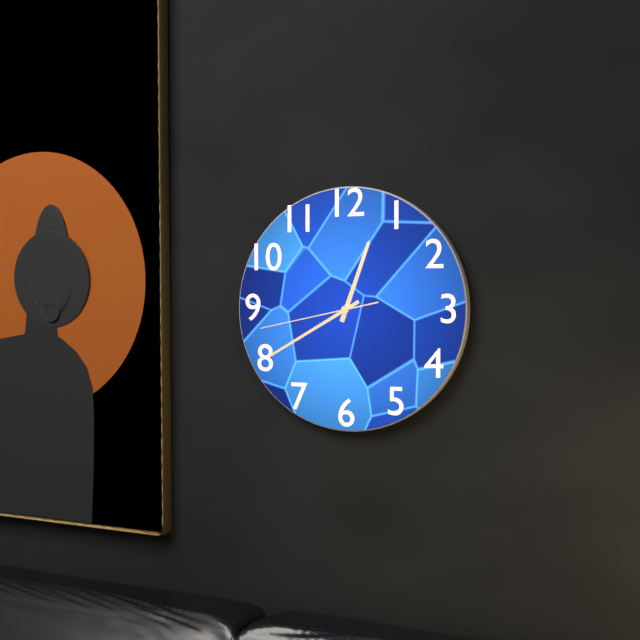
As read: 12:40:43
